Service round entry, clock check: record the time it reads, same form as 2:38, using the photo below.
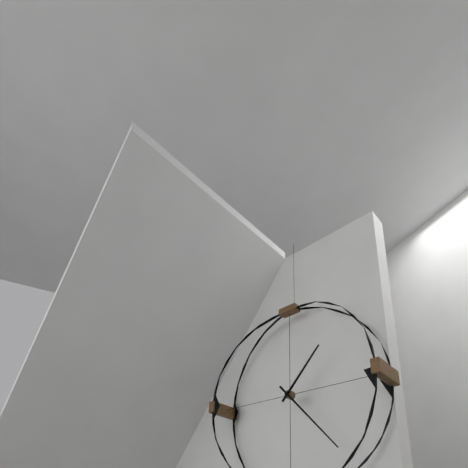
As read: 1:23
